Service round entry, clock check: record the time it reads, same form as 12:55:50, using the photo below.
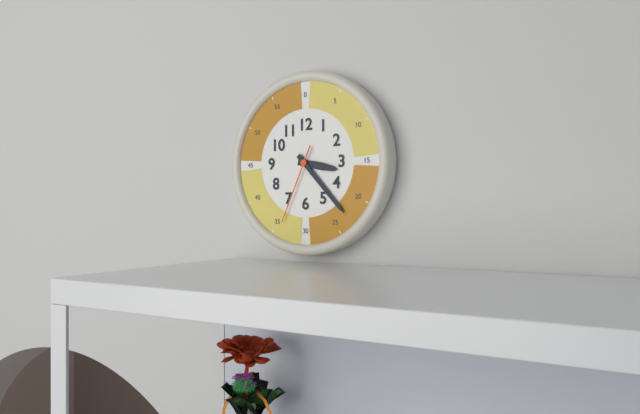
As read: 3:23:34
